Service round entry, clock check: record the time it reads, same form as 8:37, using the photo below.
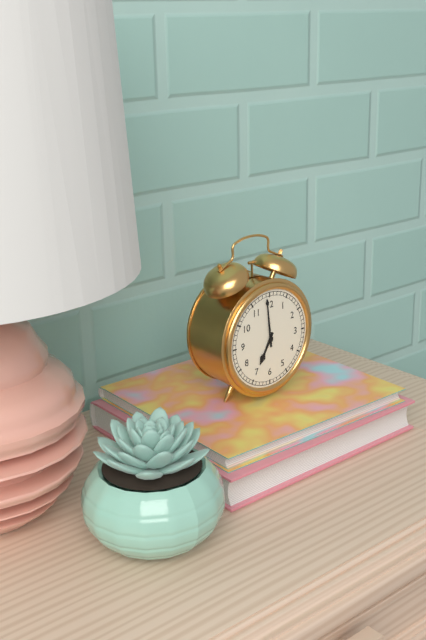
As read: 6:59
